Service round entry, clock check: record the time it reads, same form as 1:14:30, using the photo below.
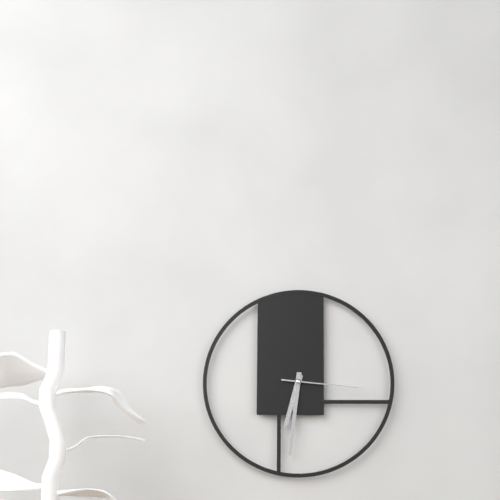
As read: 6:31:16
